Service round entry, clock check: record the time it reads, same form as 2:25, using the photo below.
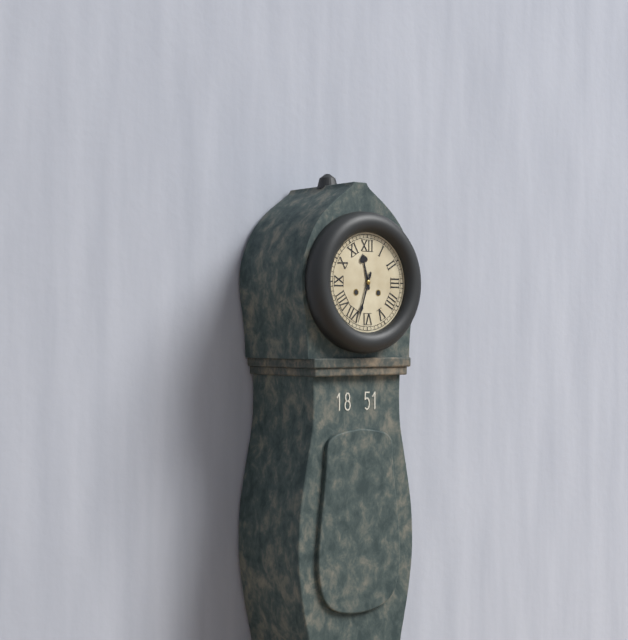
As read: 11:33
